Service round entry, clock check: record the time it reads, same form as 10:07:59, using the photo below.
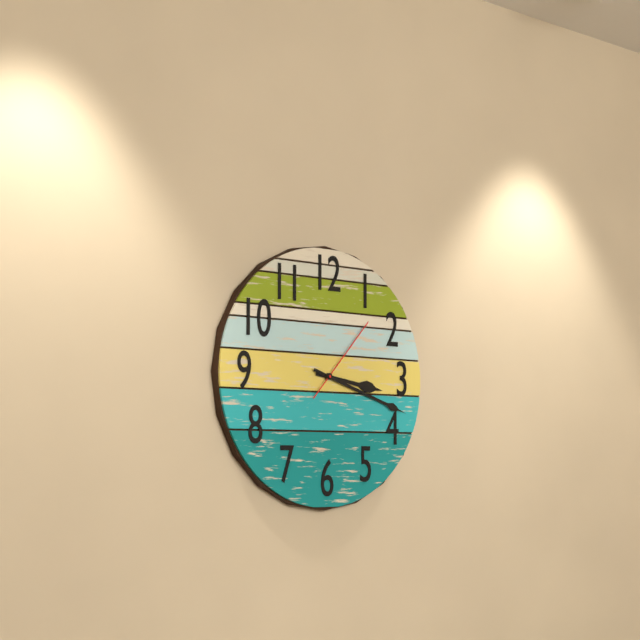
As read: 3:18:07
